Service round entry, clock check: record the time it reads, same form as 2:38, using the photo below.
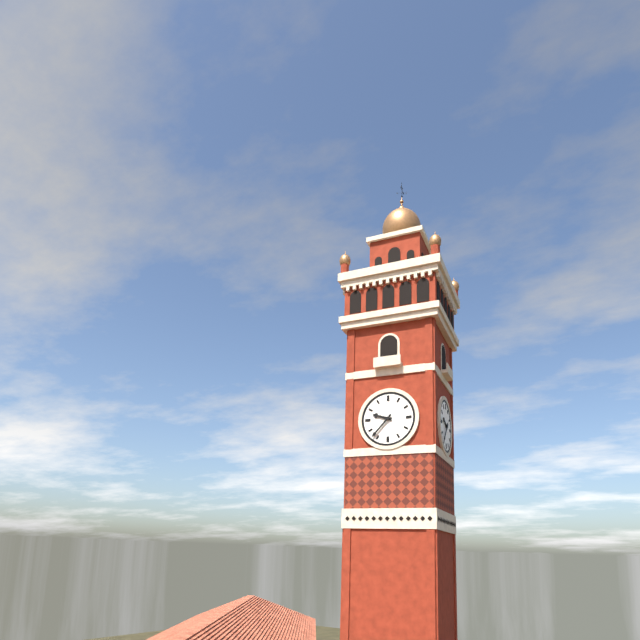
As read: 9:37
